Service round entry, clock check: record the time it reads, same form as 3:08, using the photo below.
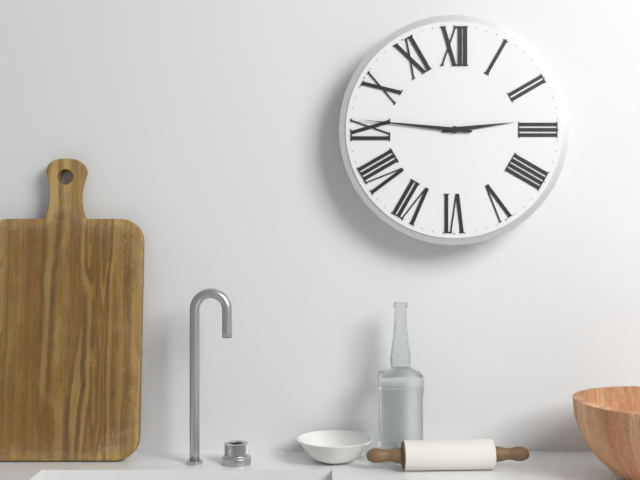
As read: 2:46
